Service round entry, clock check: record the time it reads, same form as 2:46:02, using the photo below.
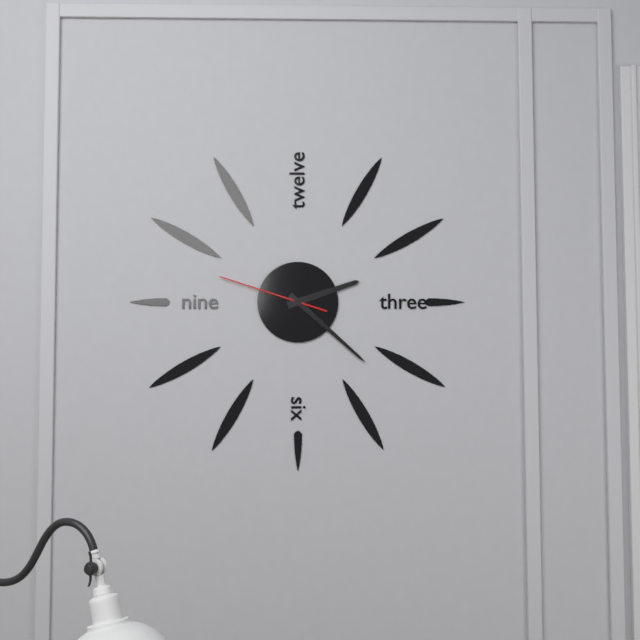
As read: 2:22:48
